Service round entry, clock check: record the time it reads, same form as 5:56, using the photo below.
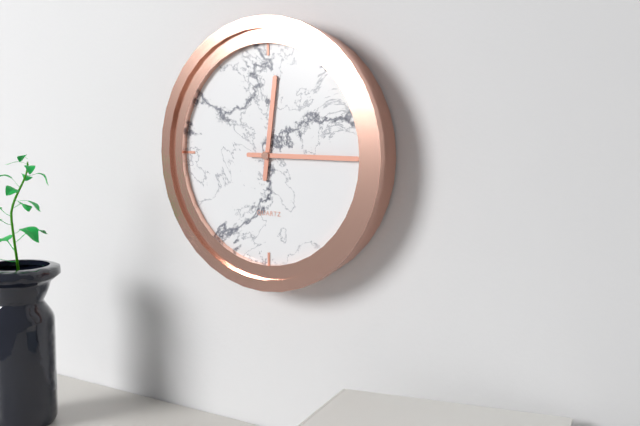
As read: 12:15
